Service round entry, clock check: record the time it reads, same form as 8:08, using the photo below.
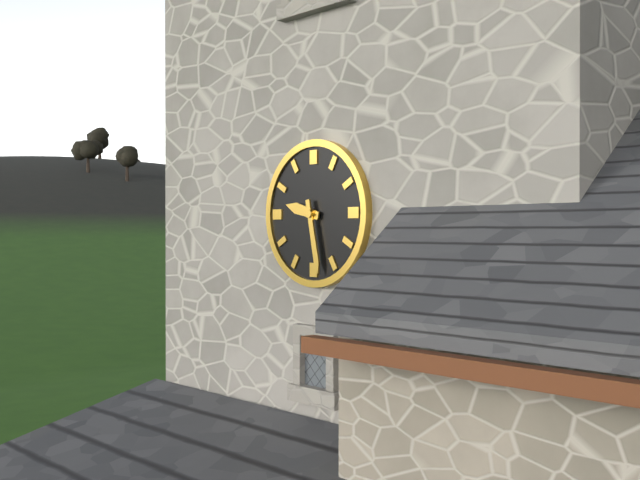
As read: 9:28
